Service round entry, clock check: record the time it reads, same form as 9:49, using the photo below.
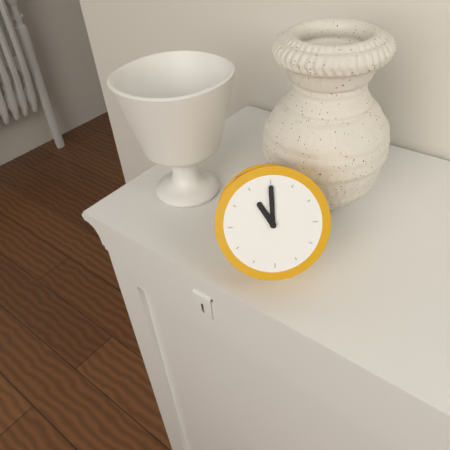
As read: 11:00
